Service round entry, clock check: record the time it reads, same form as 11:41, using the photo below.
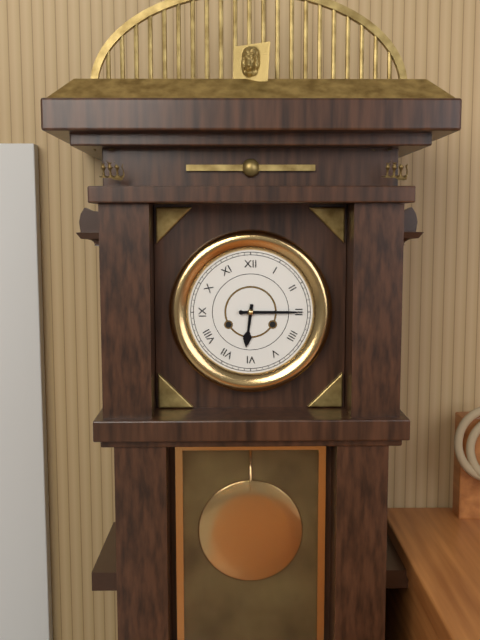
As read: 6:15
